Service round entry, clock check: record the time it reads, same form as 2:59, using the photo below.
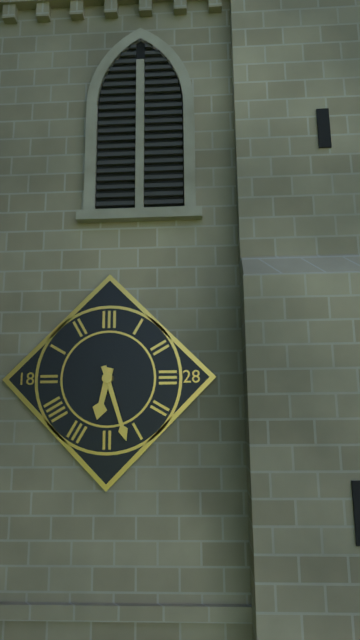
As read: 6:27
